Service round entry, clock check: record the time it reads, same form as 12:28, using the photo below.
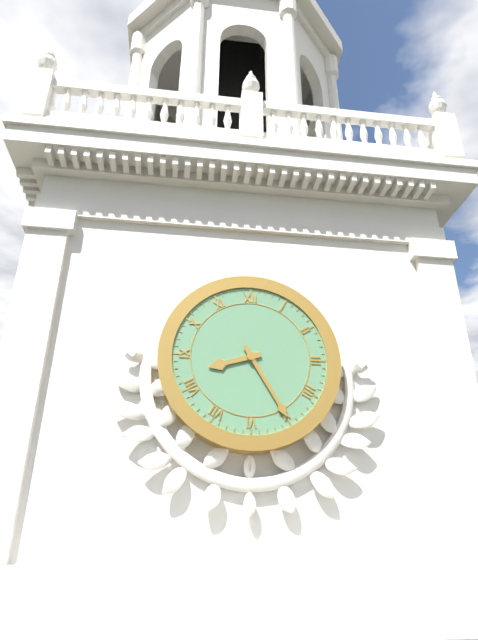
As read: 8:25
